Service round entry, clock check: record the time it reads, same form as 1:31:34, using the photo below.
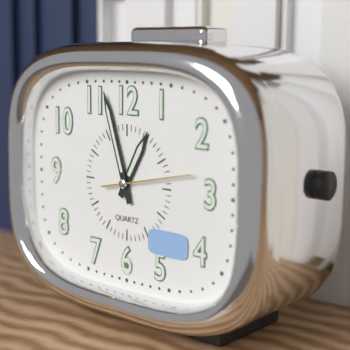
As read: 12:57:13
